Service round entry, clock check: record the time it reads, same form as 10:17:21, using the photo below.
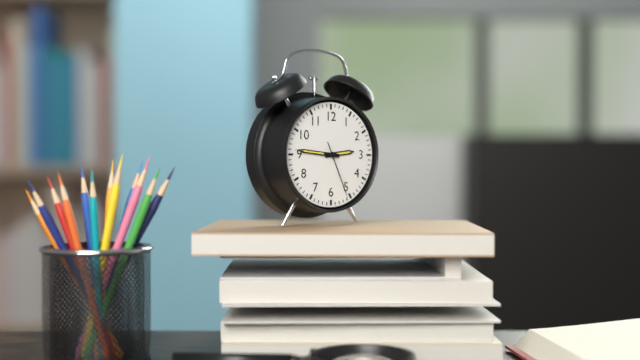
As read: 2:46:26
